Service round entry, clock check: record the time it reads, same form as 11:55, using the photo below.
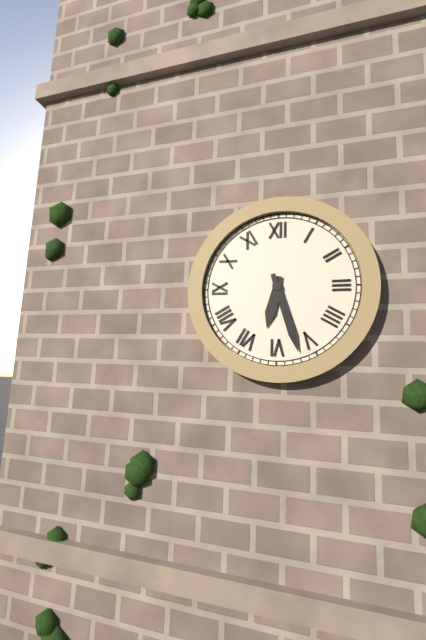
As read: 6:27
